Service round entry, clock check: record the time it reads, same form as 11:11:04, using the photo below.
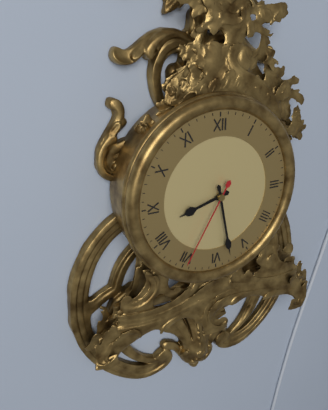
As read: 8:28:35
